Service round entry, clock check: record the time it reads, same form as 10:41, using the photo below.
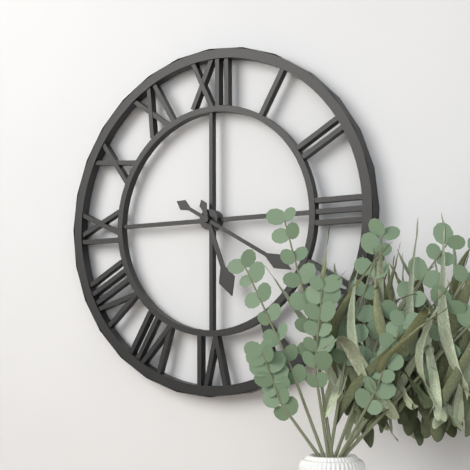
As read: 5:20
